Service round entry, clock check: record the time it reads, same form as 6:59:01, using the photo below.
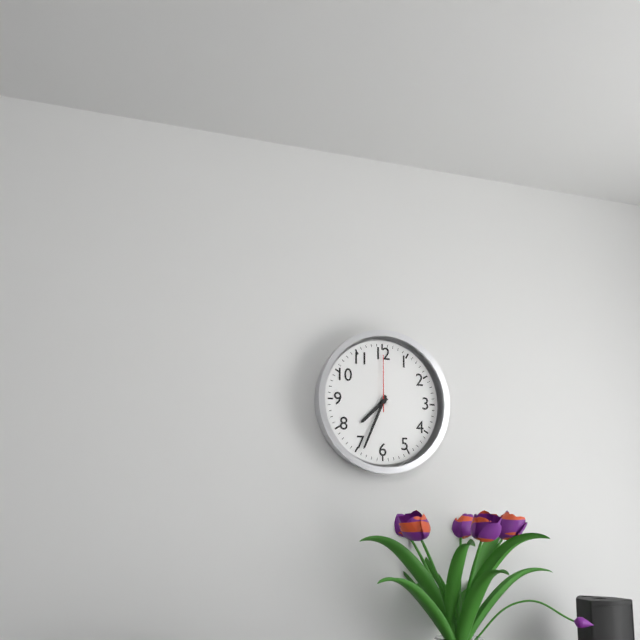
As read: 7:34:00
